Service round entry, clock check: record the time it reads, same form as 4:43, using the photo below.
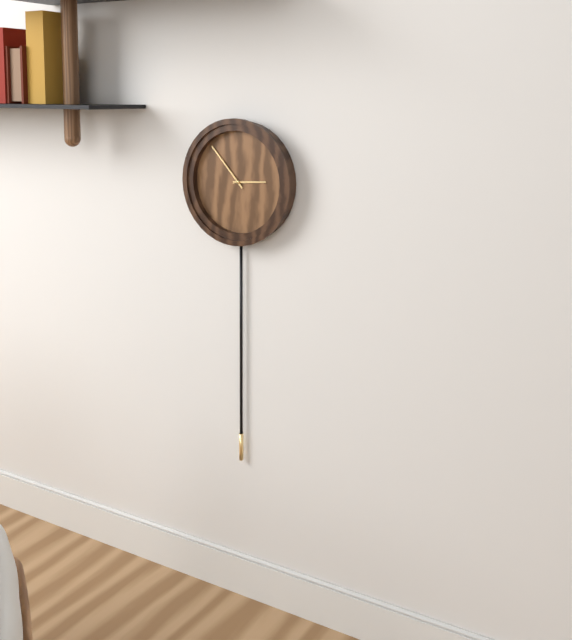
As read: 2:53
